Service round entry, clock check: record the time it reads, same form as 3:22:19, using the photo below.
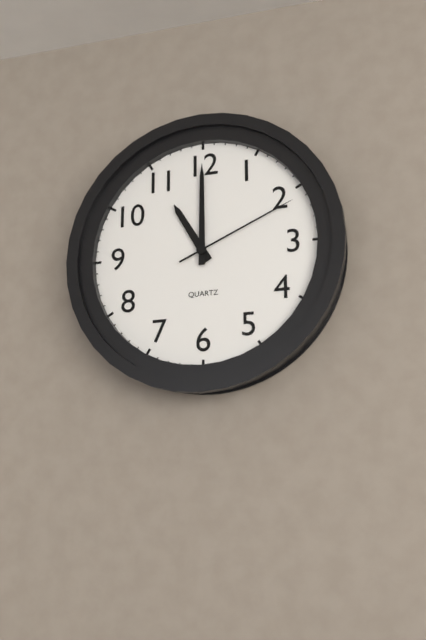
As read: 11:00:11
